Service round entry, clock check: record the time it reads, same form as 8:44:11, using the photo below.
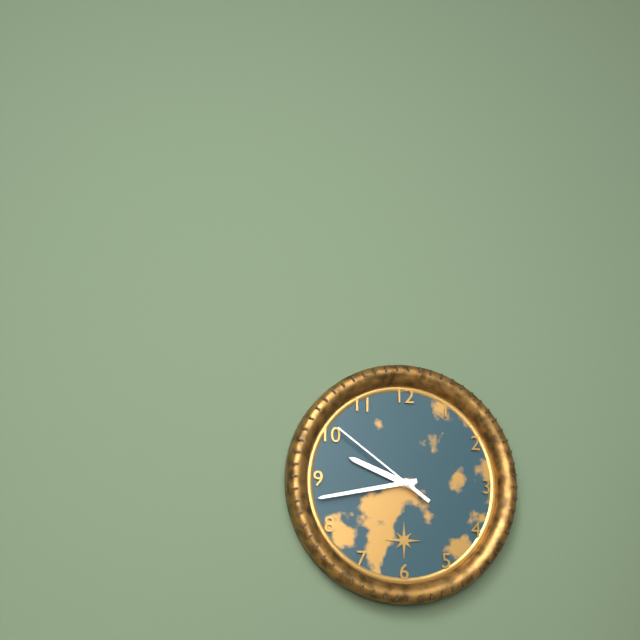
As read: 9:43:51
